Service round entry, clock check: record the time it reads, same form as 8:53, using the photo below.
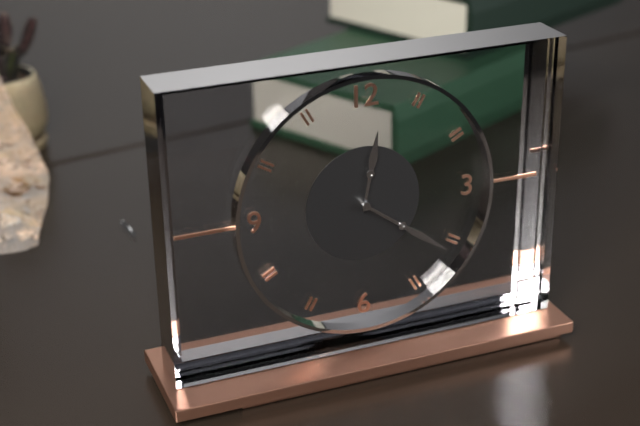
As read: 12:21
